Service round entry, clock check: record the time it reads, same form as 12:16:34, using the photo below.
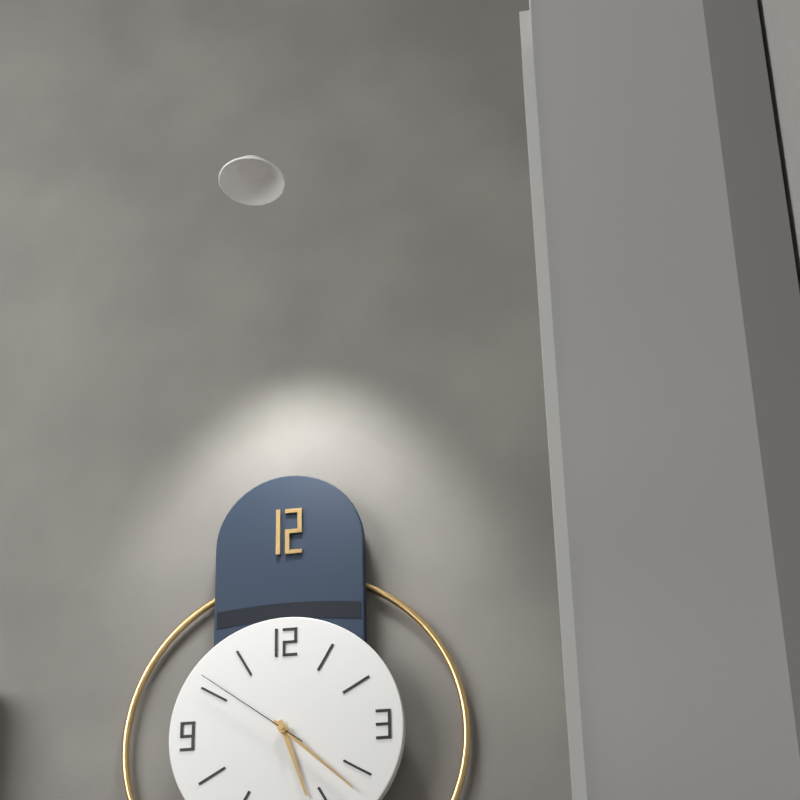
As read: 5:22:51
